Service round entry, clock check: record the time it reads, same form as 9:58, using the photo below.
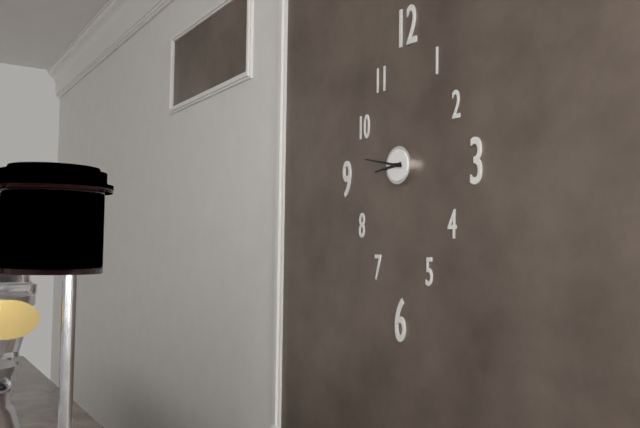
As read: 8:47
